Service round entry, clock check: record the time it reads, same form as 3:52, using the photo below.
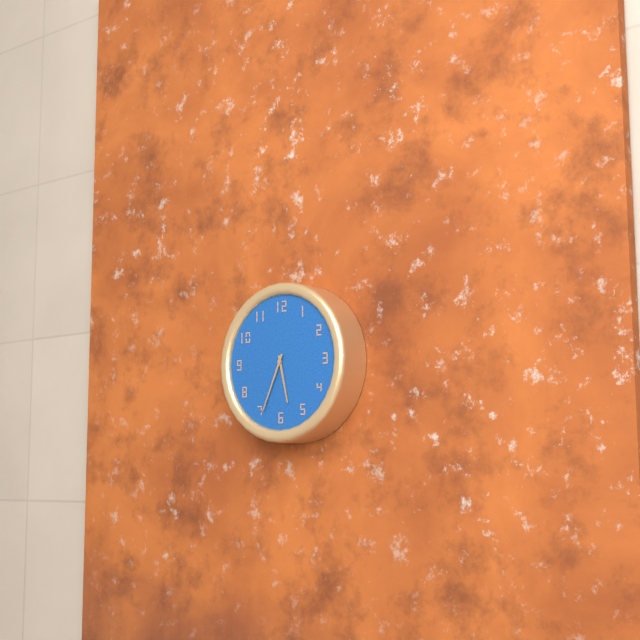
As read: 5:34
